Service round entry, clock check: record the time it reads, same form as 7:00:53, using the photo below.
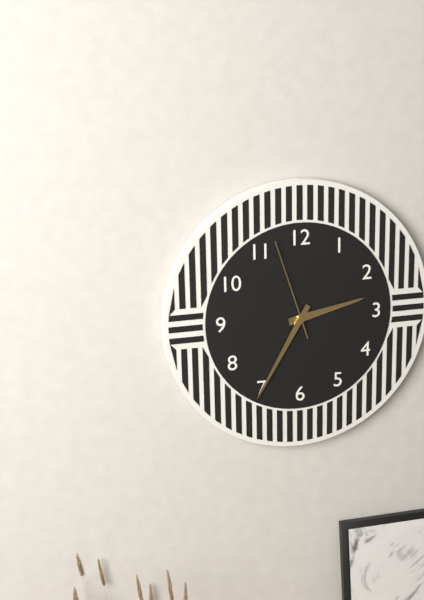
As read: 2:35:57
